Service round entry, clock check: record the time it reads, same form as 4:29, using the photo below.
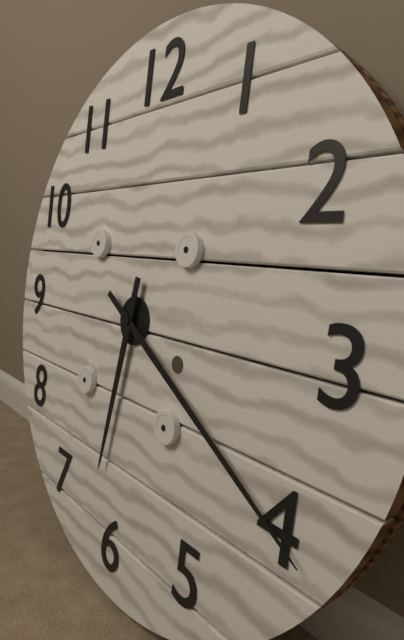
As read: 6:20
